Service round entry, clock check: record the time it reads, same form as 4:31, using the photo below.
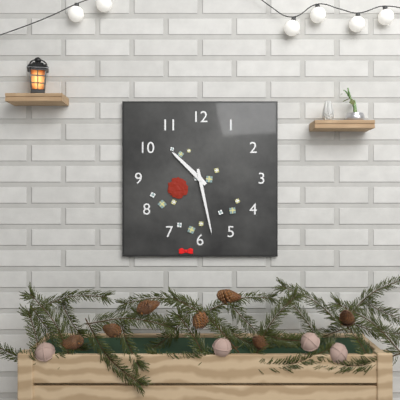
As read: 10:28
